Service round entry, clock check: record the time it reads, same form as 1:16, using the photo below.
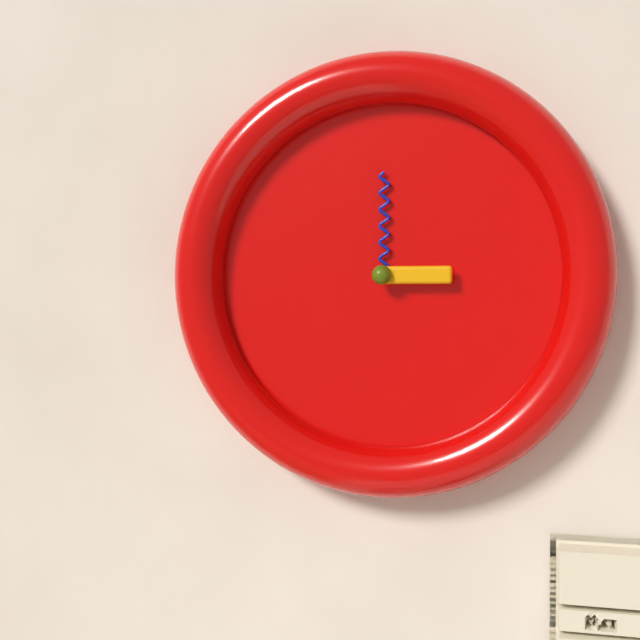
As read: 3:00
